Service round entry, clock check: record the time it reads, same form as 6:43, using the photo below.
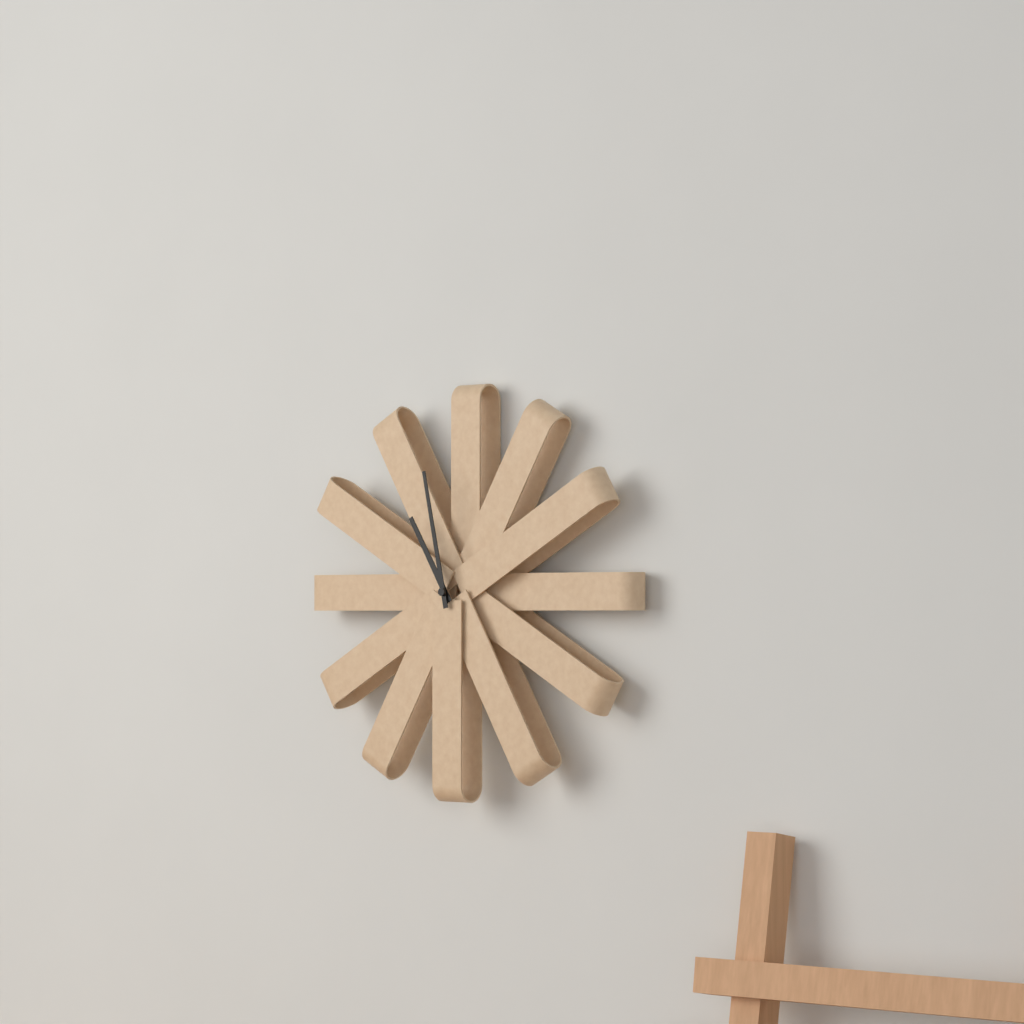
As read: 10:58
